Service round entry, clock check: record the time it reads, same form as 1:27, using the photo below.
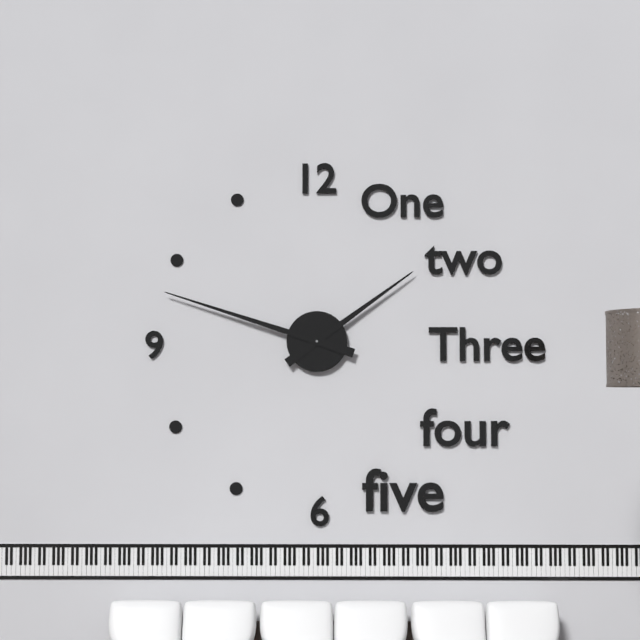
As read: 1:48
